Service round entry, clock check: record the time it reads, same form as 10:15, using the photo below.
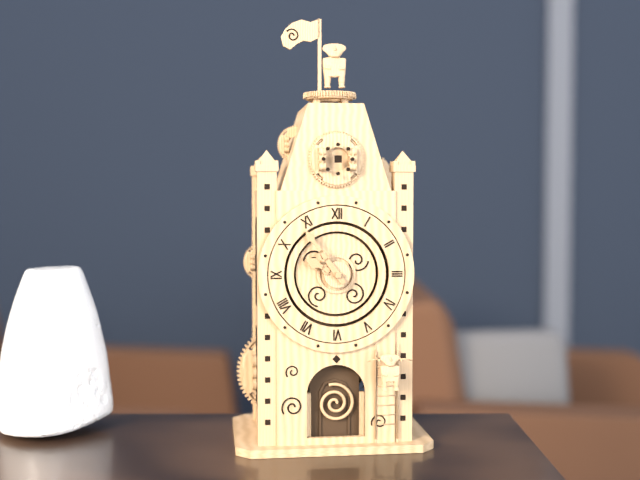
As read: 9:54
